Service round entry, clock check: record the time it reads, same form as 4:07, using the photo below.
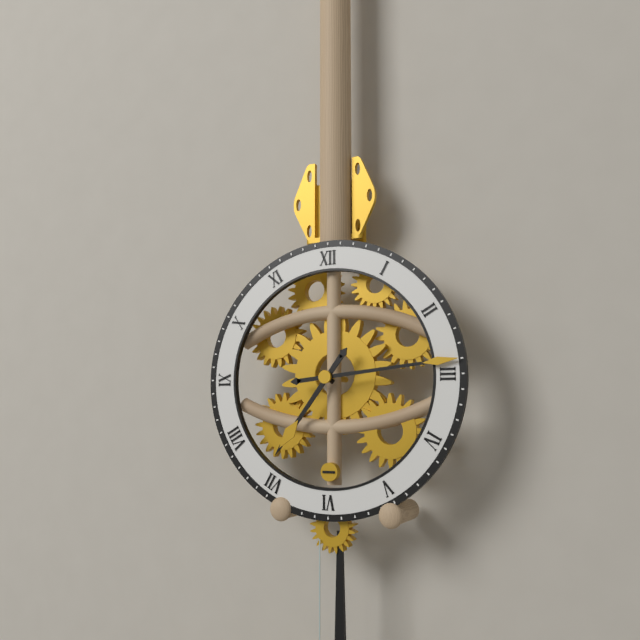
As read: 7:14
